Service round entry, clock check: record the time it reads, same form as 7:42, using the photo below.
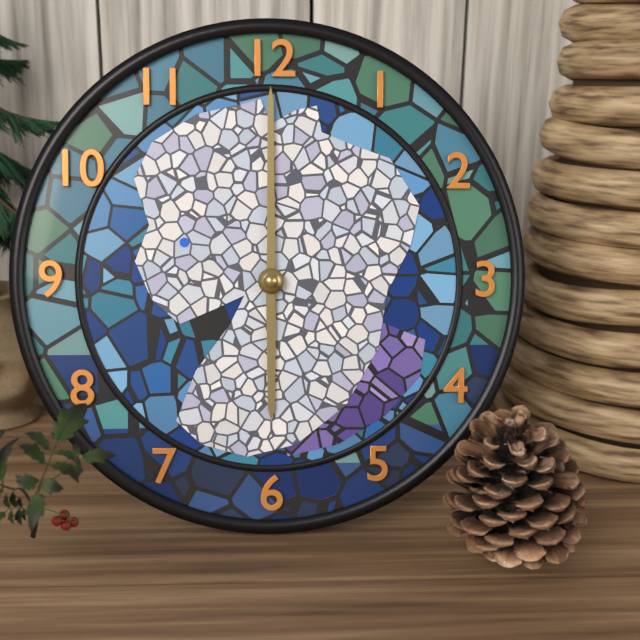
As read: 6:00
